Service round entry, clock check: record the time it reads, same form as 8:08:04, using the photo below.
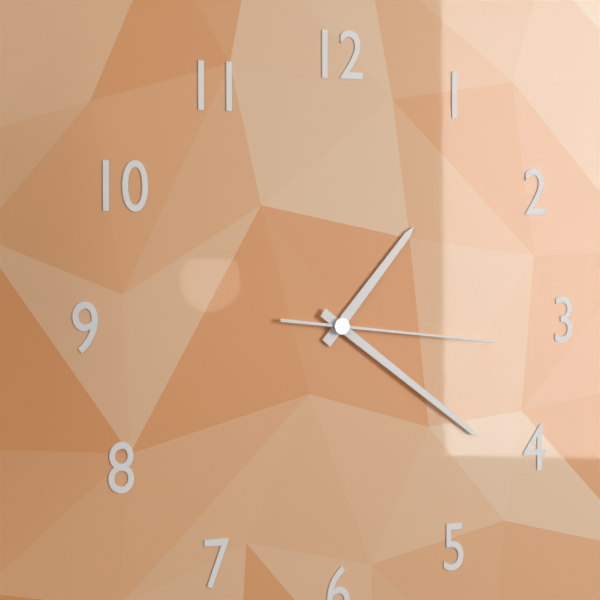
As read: 1:21:16
